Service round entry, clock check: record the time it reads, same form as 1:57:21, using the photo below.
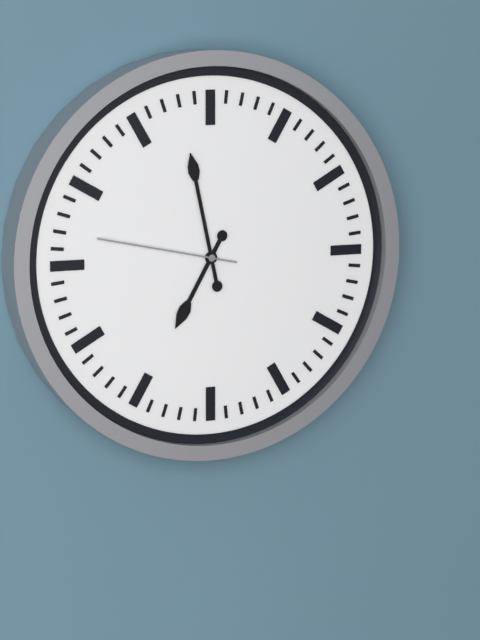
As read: 6:58:47
